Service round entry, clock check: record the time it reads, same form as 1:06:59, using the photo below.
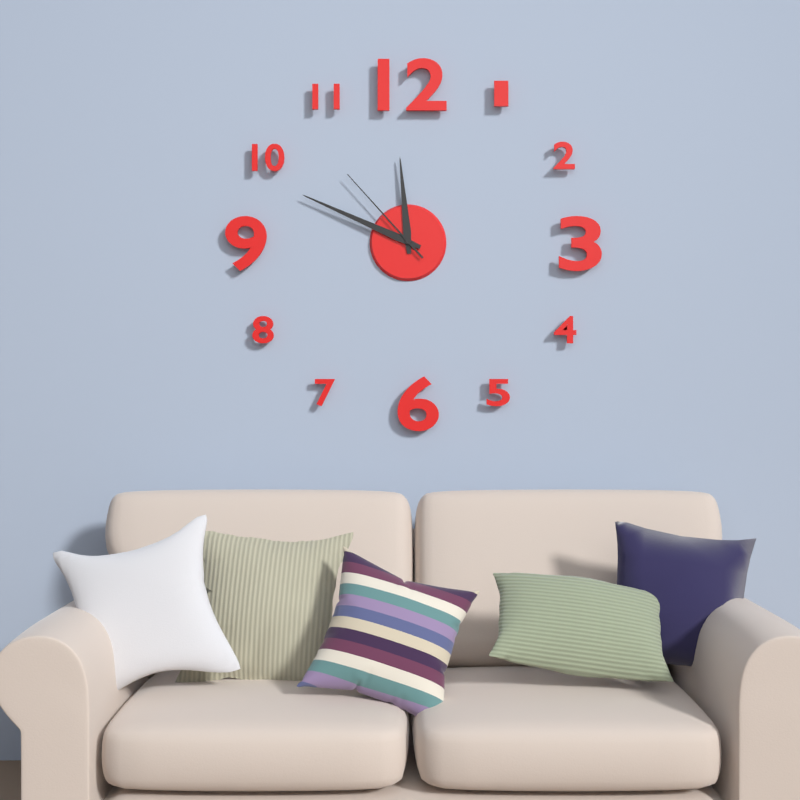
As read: 11:49:53
